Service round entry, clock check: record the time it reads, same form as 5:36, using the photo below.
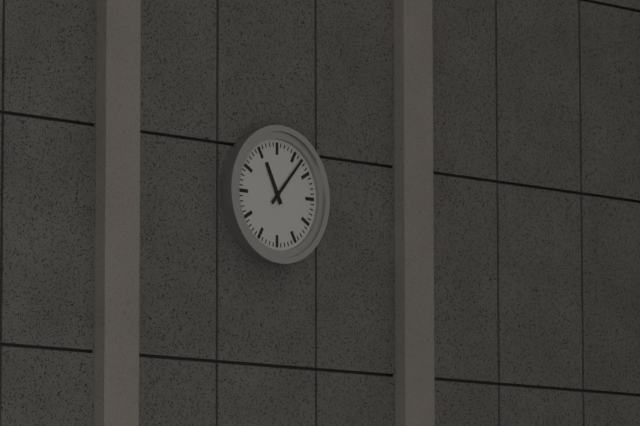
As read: 11:07
